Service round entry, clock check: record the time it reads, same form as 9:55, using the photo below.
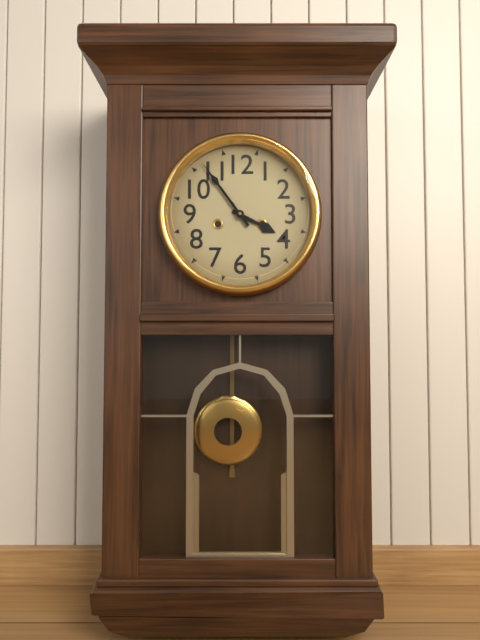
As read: 3:54
